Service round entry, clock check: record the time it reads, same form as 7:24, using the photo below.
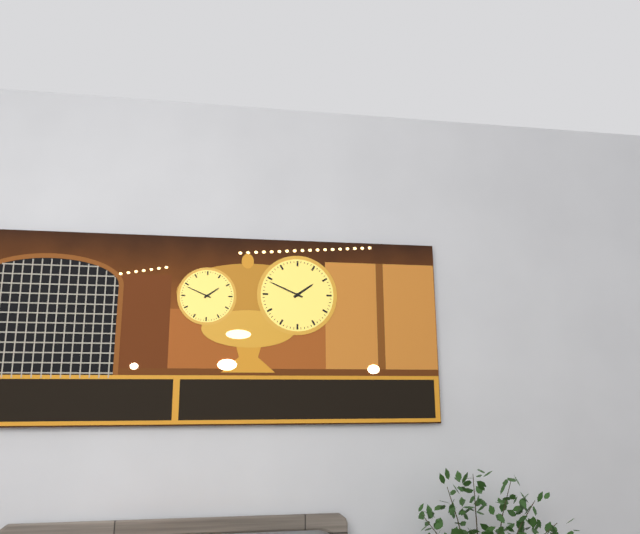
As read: 1:49
